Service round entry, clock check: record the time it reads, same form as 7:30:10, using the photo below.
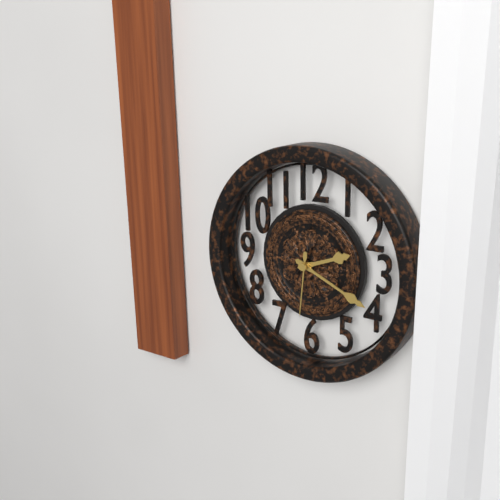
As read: 2:19:31
